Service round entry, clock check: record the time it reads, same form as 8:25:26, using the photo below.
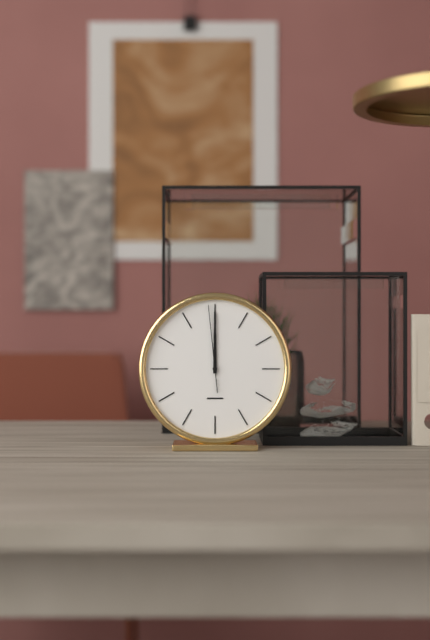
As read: 12:00:59
